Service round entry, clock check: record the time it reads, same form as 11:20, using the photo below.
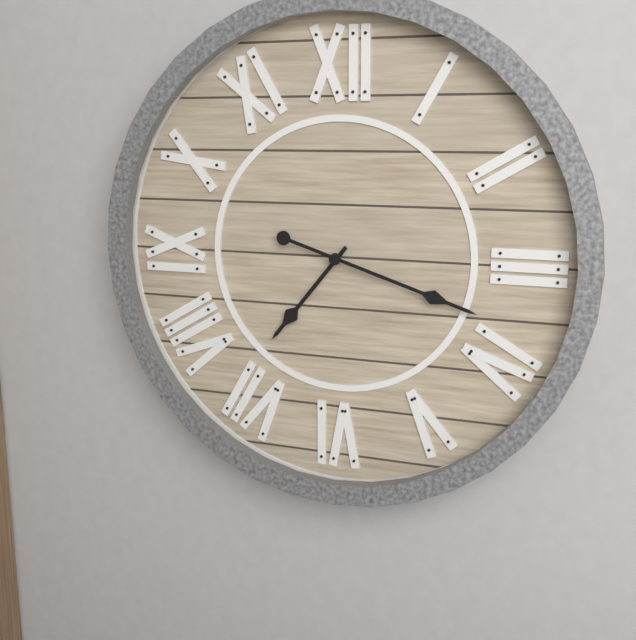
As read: 7:18
